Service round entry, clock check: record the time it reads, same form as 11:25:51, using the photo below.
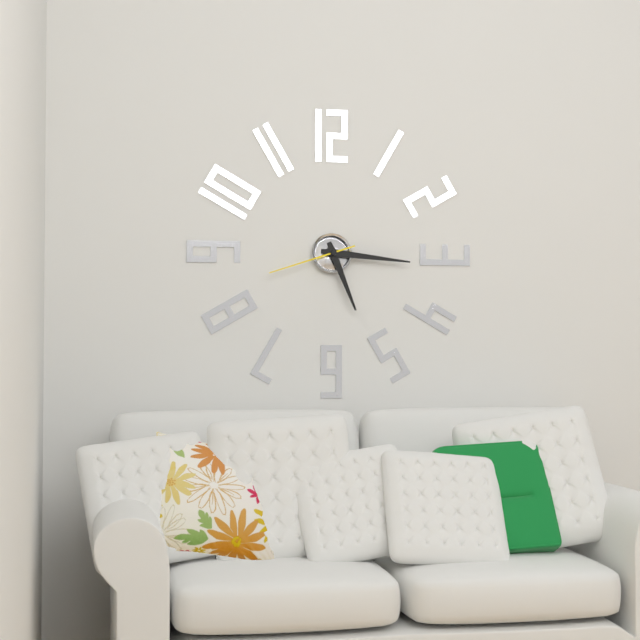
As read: 5:16:42
